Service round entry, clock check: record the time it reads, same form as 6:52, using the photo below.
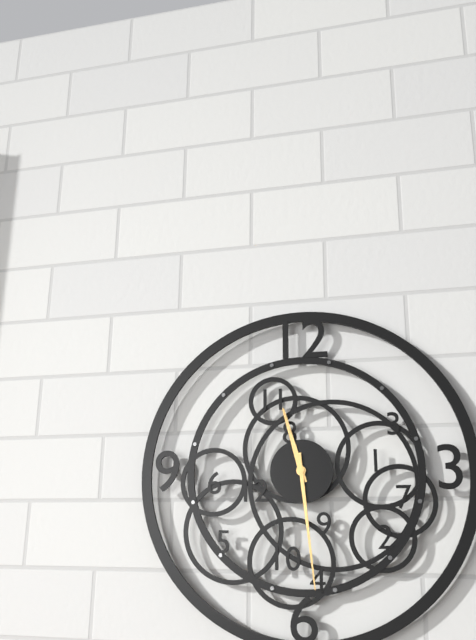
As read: 11:29
